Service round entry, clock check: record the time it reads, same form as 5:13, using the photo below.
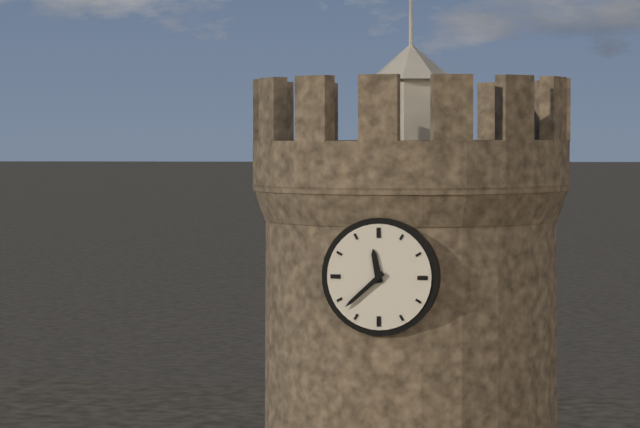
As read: 11:38
